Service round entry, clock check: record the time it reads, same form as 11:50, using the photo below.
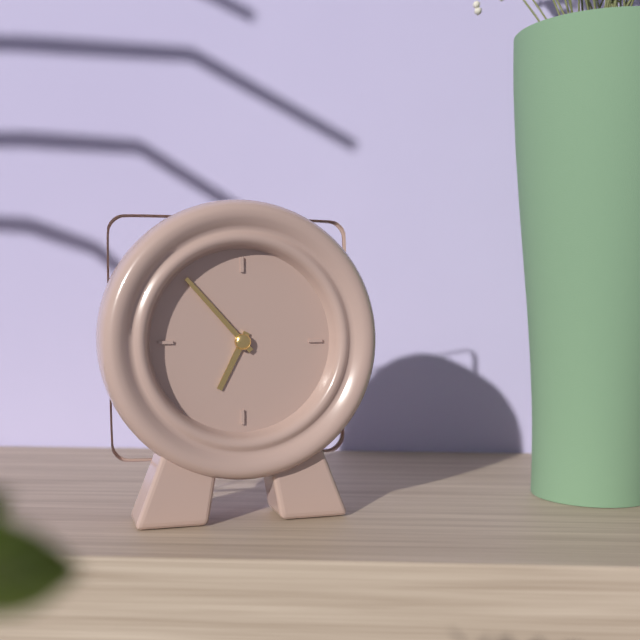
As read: 6:53
